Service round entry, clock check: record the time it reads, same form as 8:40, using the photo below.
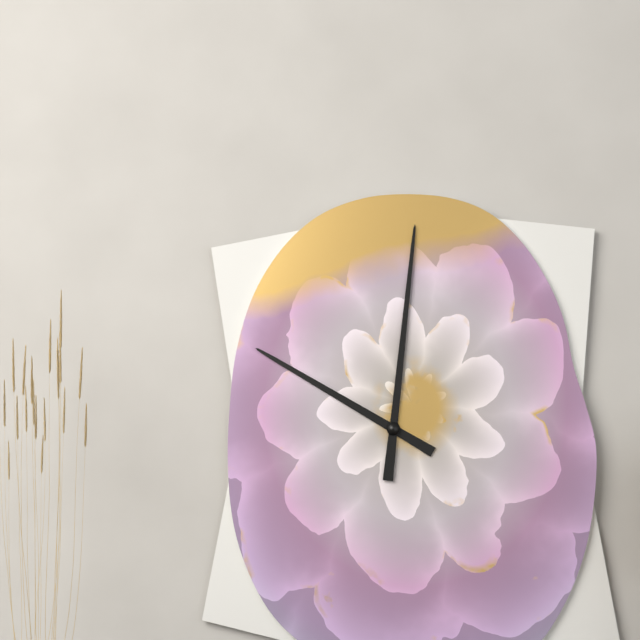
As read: 10:01
